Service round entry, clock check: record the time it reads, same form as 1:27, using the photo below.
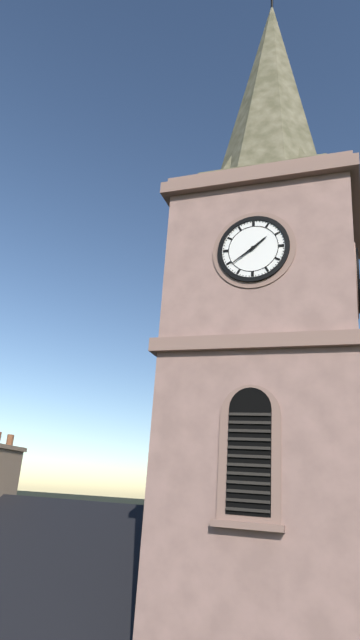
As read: 1:39
